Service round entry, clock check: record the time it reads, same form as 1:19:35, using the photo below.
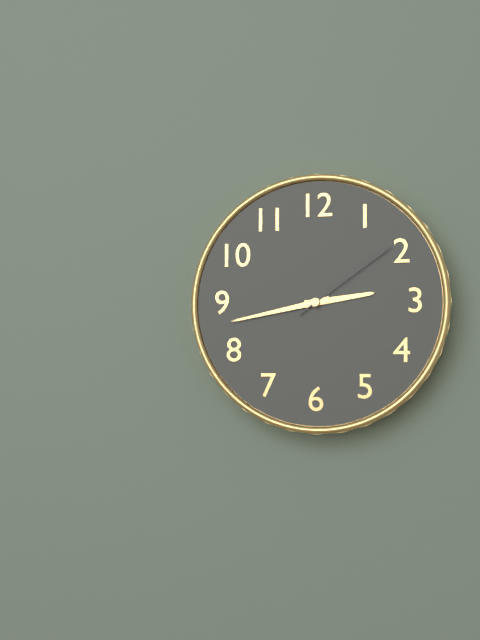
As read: 2:43:09
